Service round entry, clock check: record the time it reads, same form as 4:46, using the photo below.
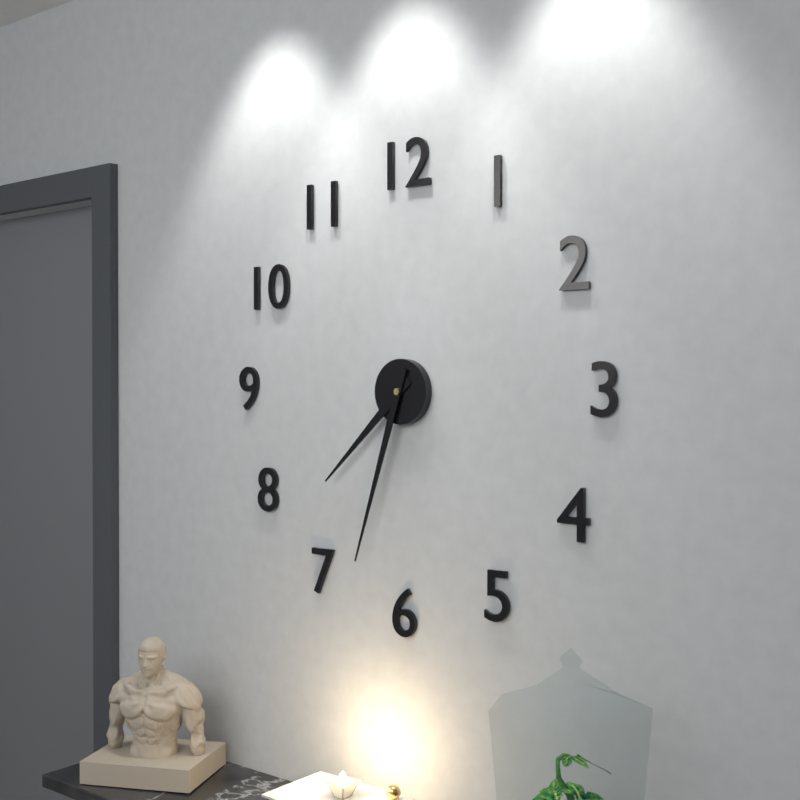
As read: 7:33
